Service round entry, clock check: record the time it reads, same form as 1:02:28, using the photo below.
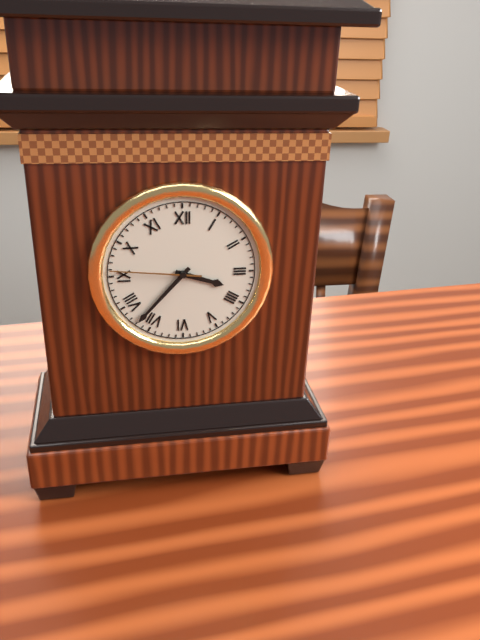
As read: 3:37:46
